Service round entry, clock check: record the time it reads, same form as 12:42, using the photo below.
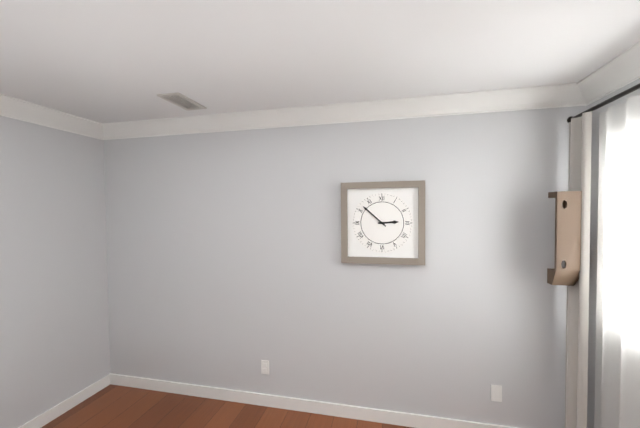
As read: 2:52
